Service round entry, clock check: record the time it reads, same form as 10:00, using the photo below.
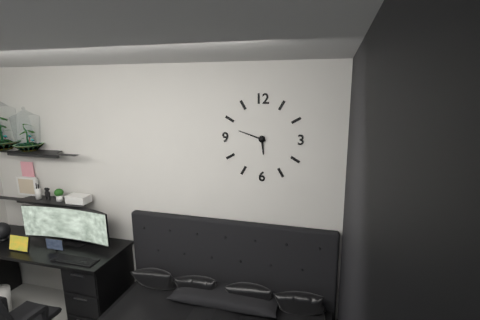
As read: 5:48
